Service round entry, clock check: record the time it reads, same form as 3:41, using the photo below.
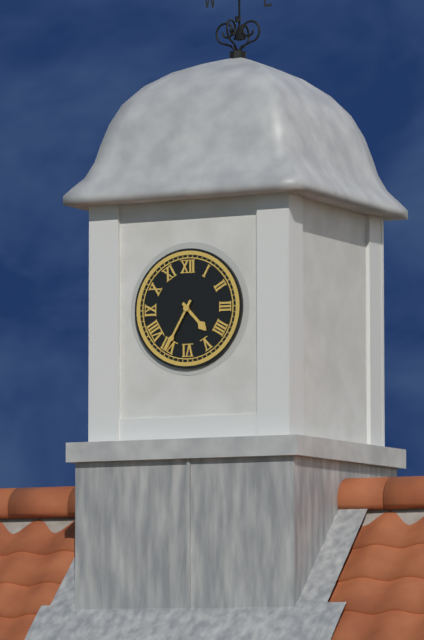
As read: 4:35
